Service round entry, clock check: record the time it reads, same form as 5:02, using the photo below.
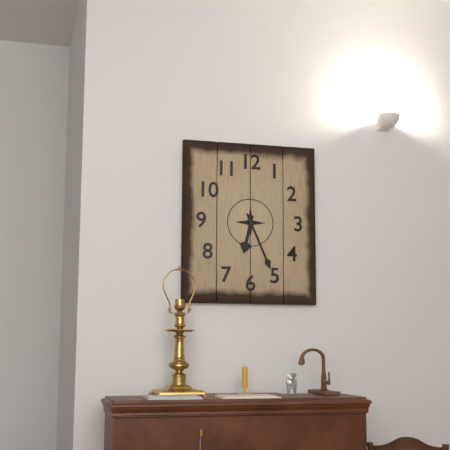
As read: 6:26
